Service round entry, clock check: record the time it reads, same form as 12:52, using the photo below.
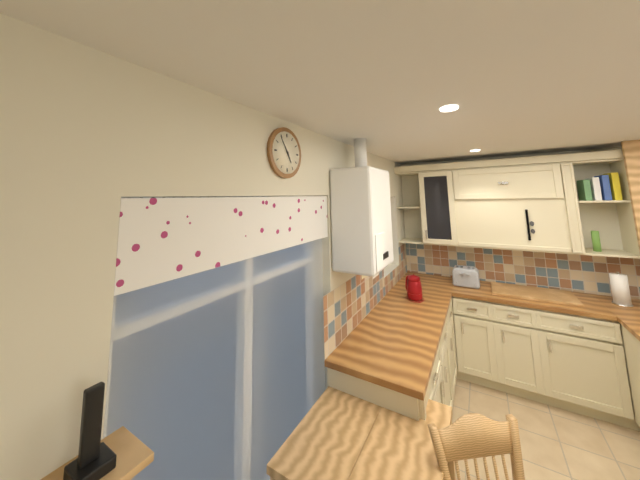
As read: 4:54
